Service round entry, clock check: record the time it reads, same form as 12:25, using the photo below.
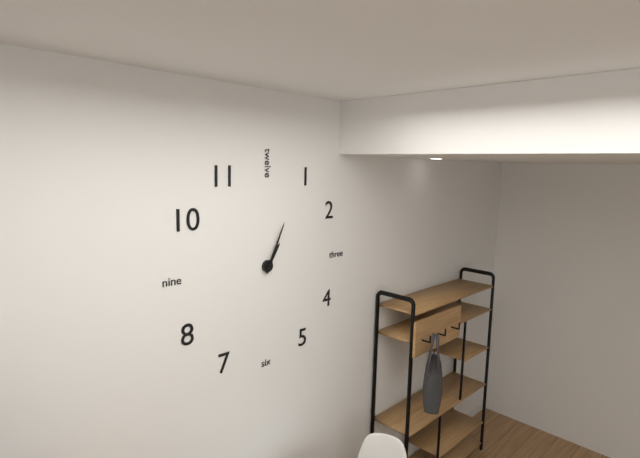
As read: 1:04
